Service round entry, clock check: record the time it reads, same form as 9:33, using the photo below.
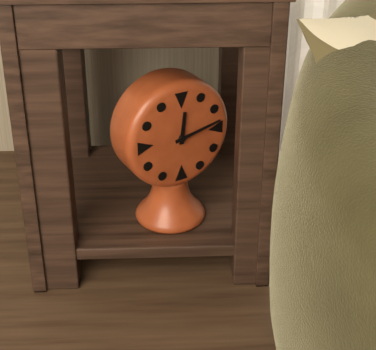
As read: 12:13
